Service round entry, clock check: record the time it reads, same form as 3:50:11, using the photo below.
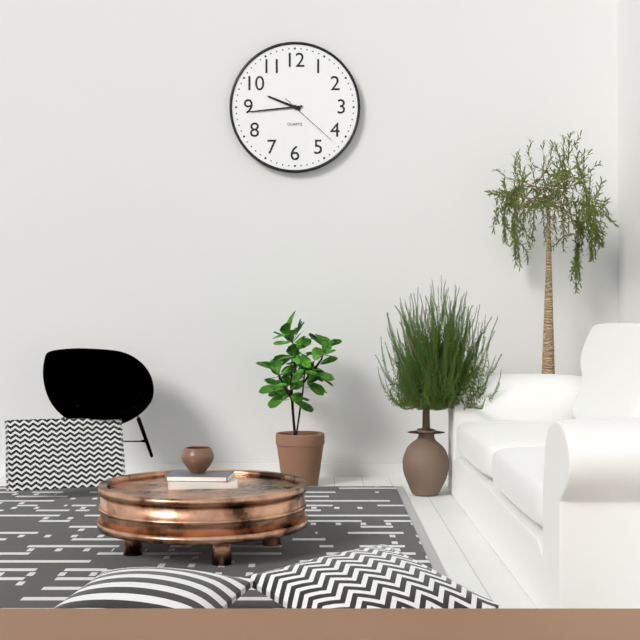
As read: 9:44:22
